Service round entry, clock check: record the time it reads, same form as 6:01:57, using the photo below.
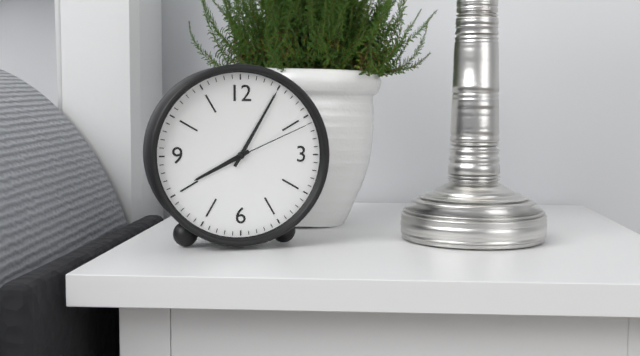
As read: 8:05:11
